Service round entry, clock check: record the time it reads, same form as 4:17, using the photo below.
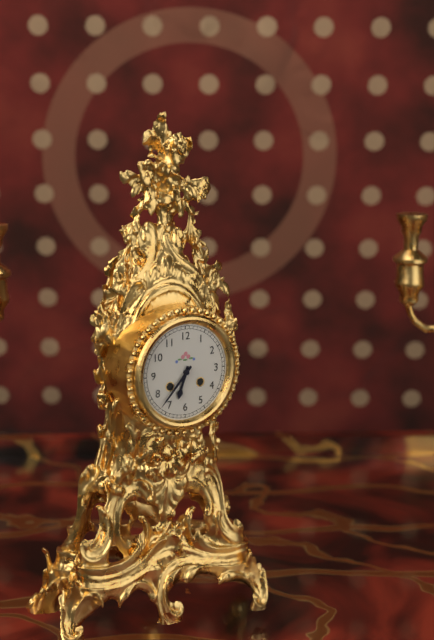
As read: 6:37
